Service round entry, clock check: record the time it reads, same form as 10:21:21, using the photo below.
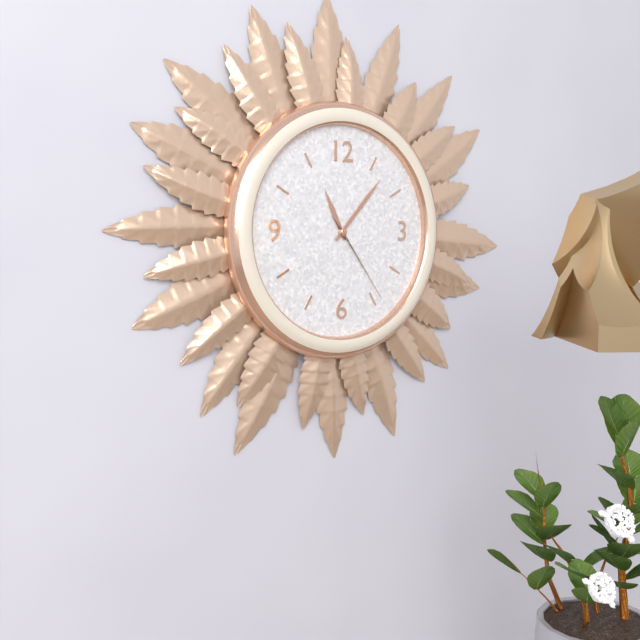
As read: 11:07:24
